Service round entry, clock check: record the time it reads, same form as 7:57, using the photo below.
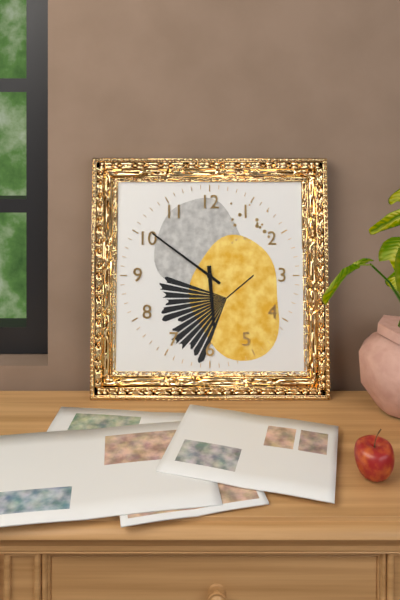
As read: 5:51
